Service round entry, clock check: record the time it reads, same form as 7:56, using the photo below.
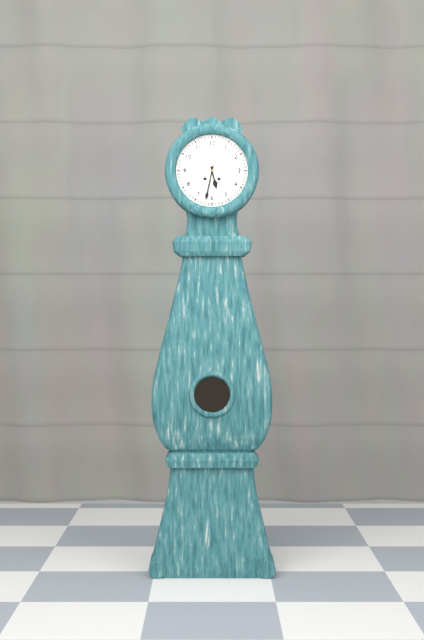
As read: 5:32
